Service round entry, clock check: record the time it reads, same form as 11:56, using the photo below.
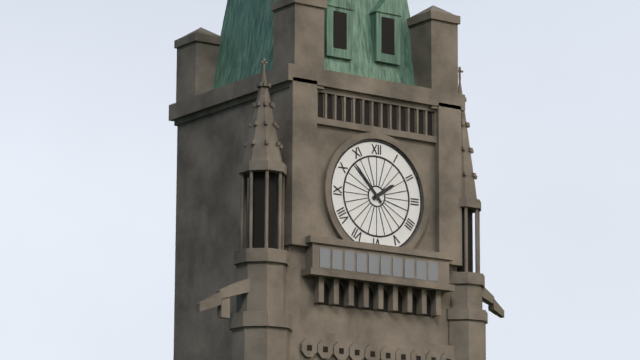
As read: 1:53
